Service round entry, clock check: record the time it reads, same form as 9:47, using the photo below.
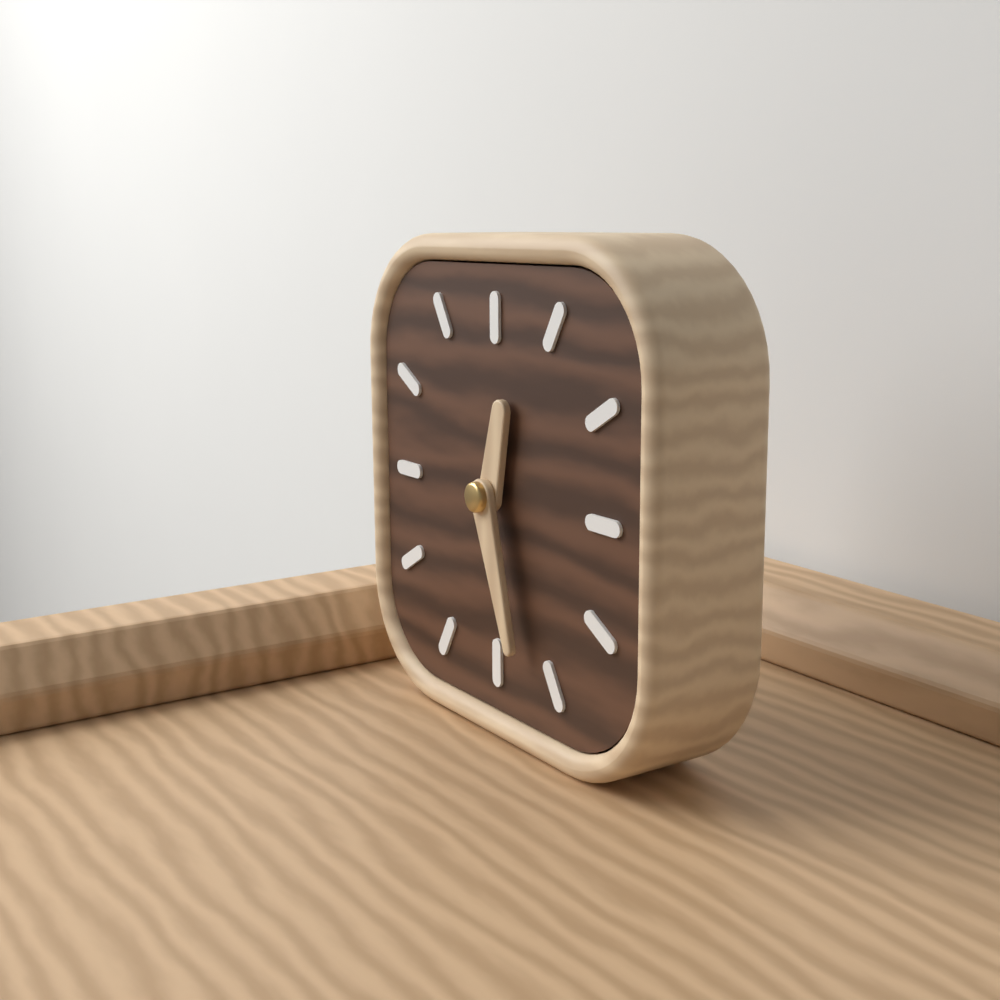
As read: 12:27
